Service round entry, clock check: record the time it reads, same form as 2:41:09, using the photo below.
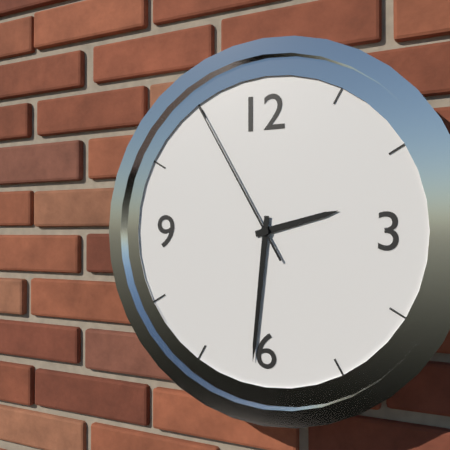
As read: 2:31:55
